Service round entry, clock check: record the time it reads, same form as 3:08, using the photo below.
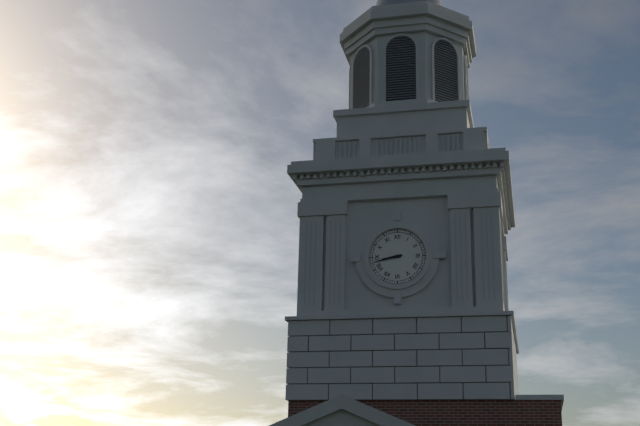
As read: 8:43
